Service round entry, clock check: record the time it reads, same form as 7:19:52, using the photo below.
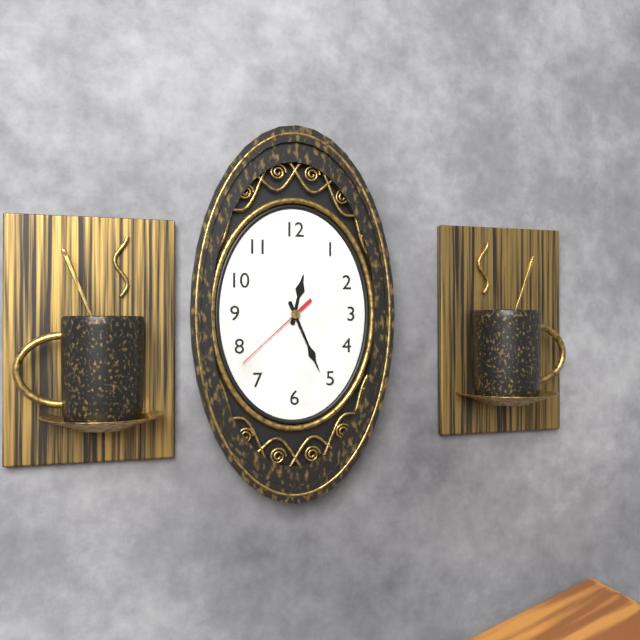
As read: 12:26:38
